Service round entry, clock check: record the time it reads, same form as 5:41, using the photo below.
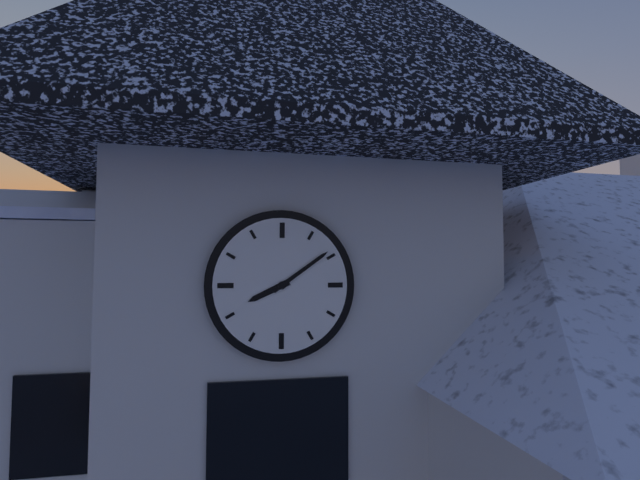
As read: 8:09
